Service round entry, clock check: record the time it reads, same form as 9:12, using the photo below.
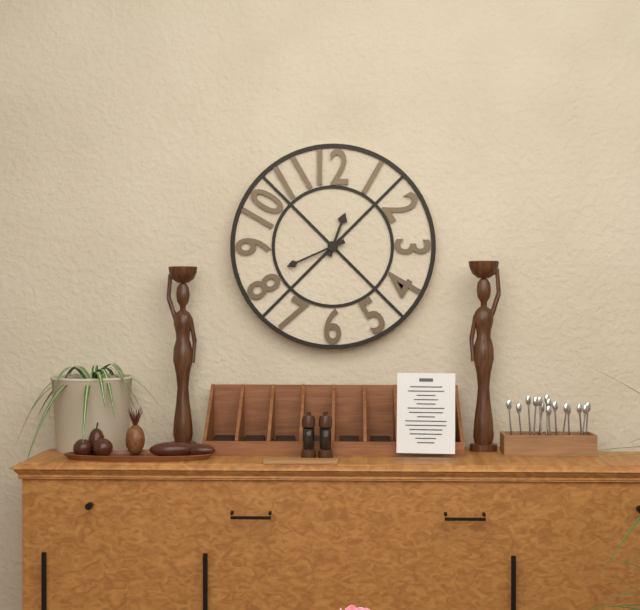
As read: 12:41
